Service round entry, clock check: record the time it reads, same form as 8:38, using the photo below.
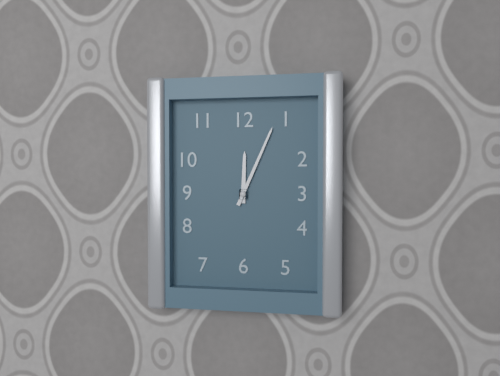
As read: 12:04
